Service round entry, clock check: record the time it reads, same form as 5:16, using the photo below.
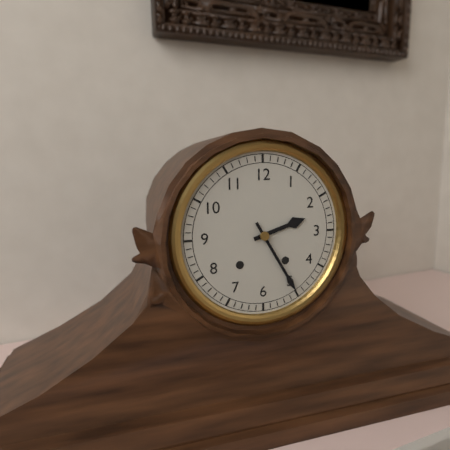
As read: 2:25
